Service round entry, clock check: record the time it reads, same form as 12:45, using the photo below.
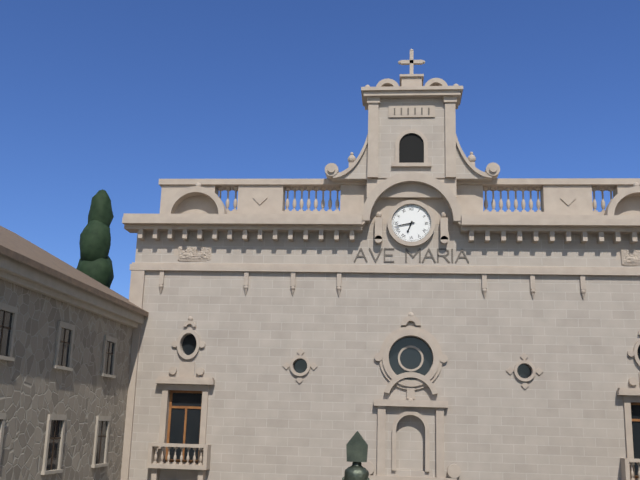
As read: 6:43
